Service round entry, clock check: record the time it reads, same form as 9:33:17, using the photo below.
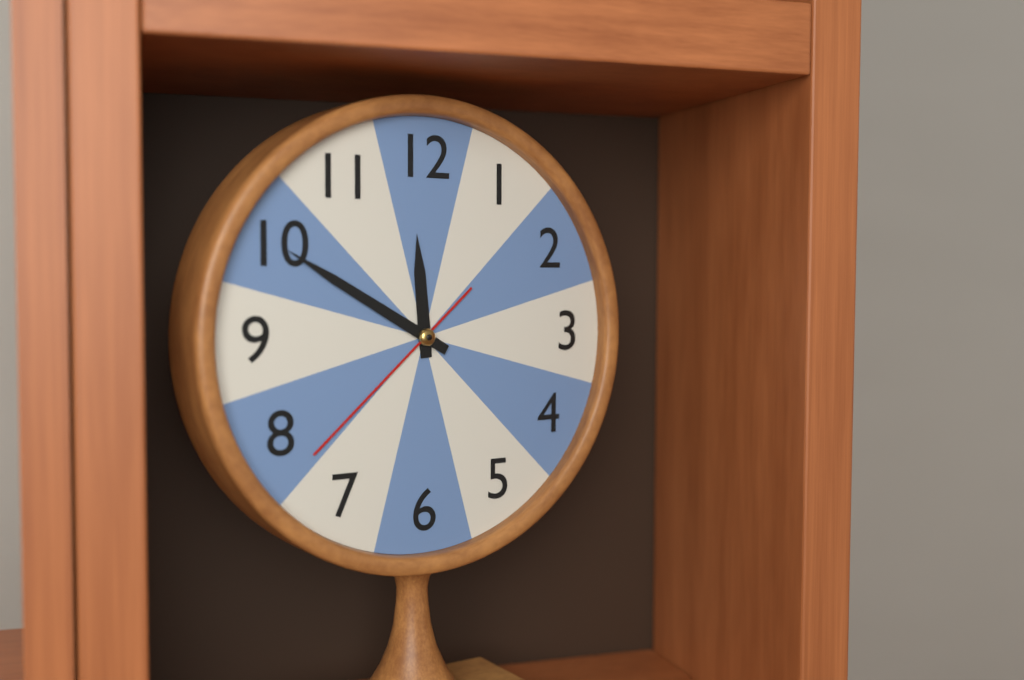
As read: 11:50:38
